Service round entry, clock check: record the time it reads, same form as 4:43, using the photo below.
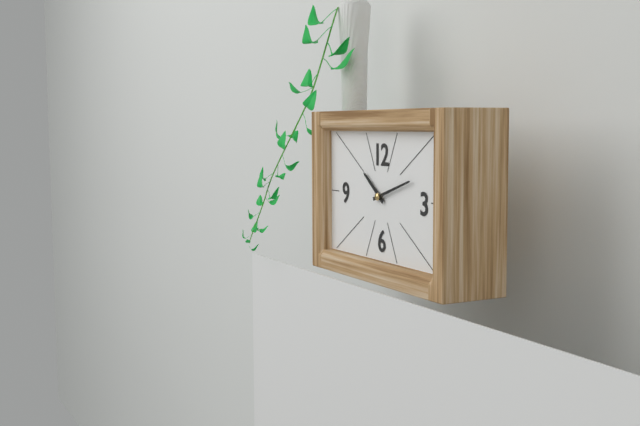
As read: 10:12
